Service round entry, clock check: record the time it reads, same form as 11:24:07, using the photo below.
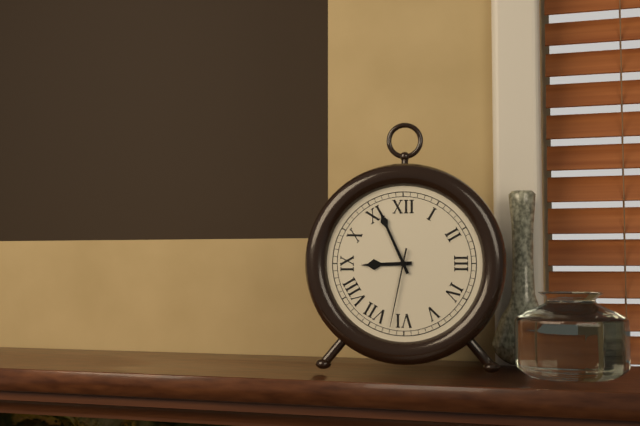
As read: 8:56:32
